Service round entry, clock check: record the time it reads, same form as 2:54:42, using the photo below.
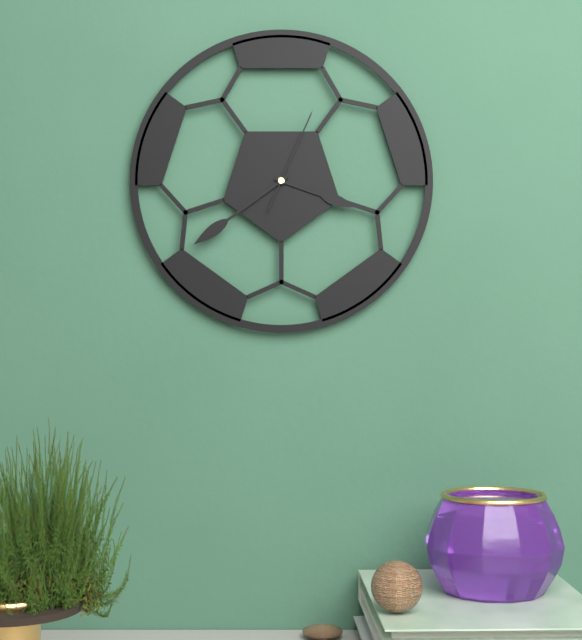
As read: 3:39:04
